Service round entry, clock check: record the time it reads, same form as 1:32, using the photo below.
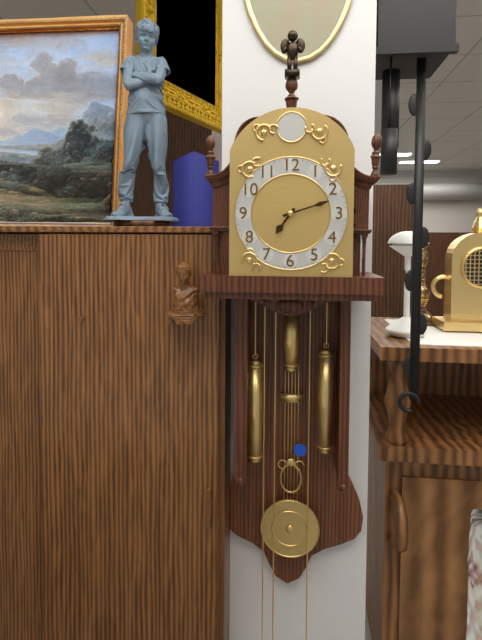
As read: 7:12
